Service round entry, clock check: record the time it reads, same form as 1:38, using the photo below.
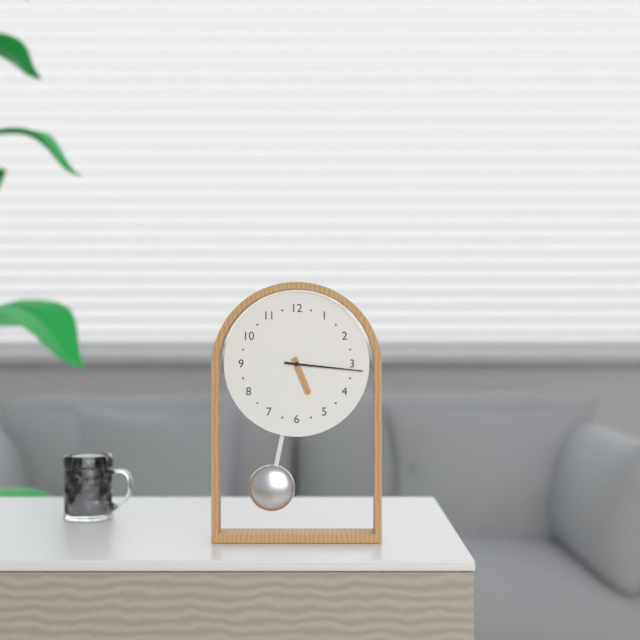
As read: 5:16
